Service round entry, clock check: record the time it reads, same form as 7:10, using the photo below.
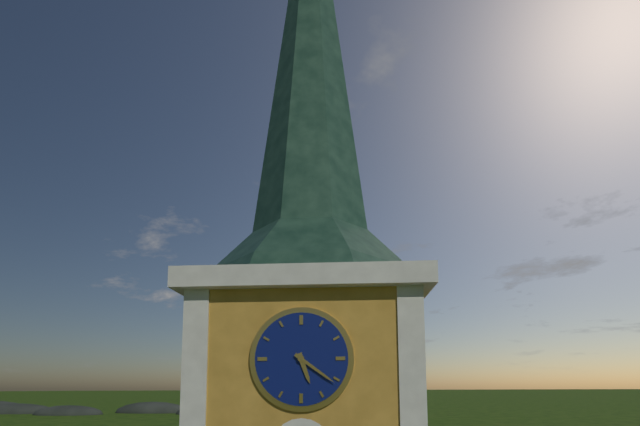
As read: 5:21
